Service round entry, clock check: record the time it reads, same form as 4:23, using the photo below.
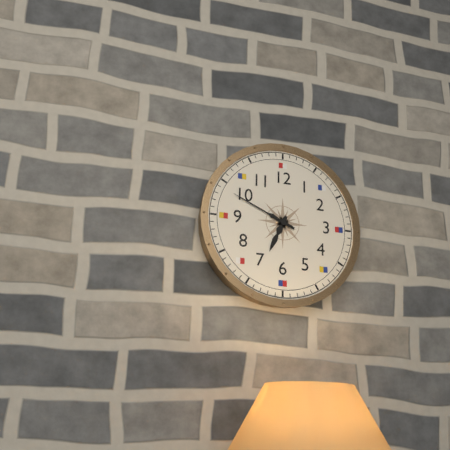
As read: 6:49
